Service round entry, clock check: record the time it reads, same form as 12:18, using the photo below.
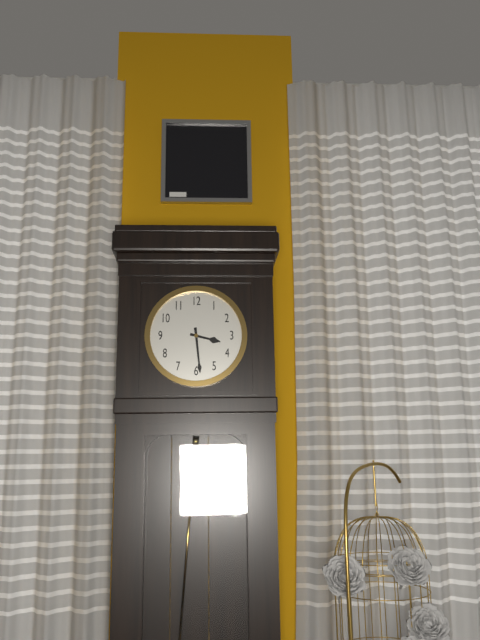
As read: 3:29
